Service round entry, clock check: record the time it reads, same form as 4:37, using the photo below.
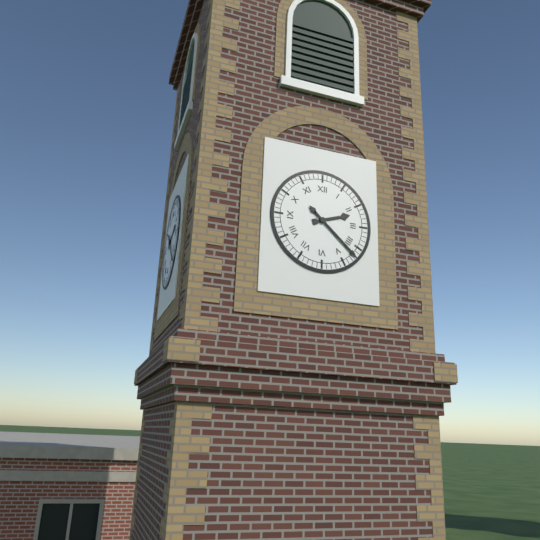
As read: 2:22
